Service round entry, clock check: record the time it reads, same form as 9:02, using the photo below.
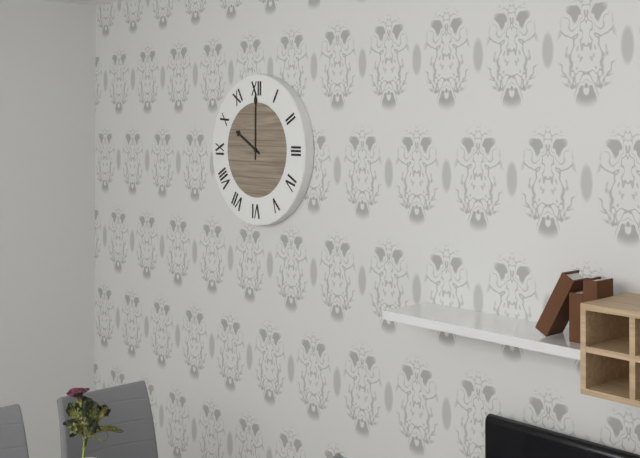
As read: 10:00
